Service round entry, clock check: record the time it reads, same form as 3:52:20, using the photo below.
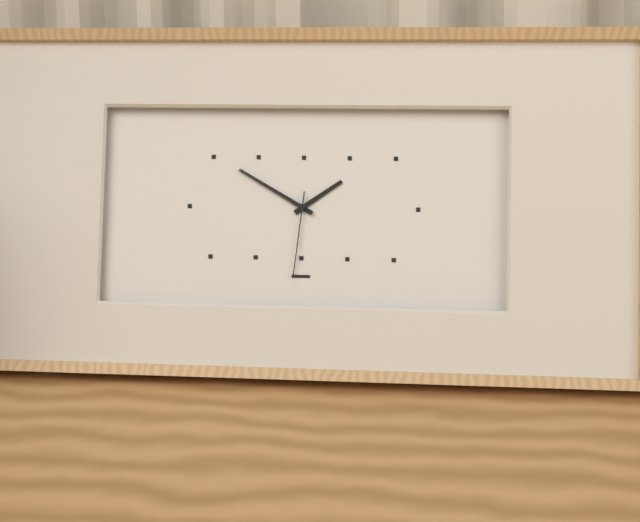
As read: 1:50:31
